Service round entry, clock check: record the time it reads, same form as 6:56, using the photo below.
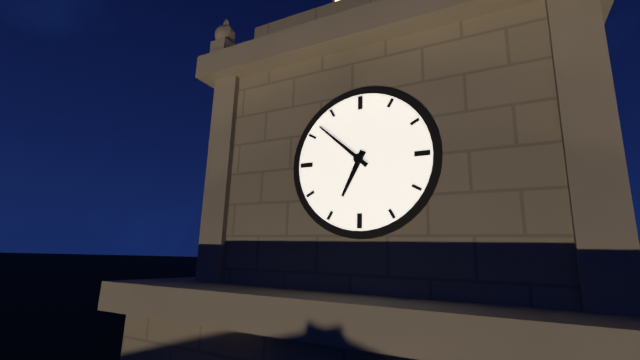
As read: 6:52
